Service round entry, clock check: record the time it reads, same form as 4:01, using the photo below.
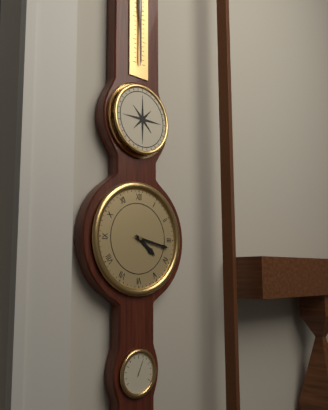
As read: 4:17
